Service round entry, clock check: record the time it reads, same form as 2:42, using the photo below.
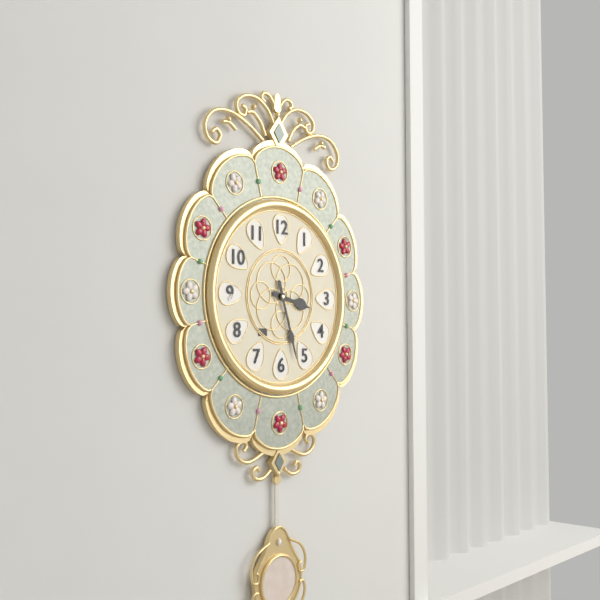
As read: 3:27
